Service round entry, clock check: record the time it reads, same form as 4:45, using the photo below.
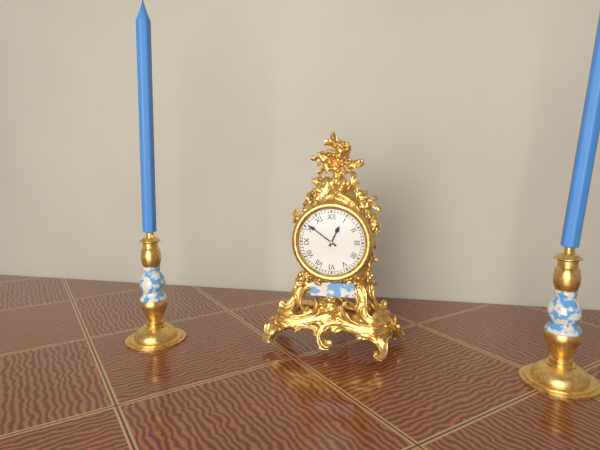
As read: 12:51
